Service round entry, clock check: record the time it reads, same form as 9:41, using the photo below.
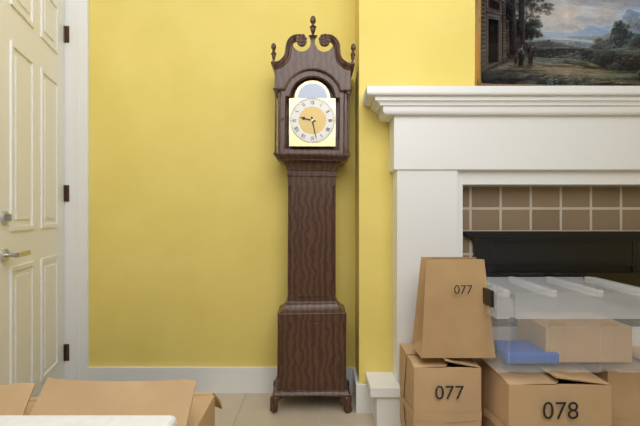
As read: 9:28
